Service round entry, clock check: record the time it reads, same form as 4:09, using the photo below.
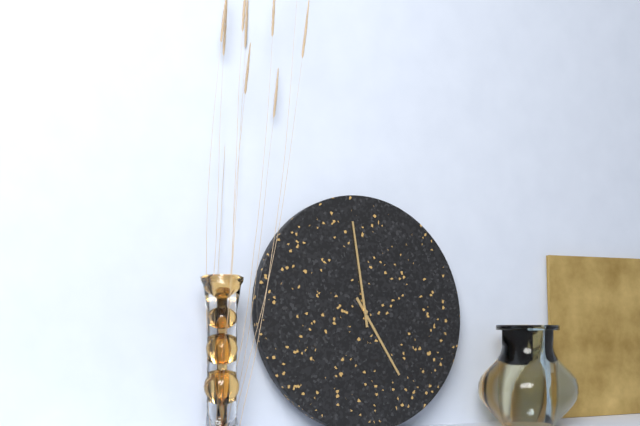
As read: 4:59
